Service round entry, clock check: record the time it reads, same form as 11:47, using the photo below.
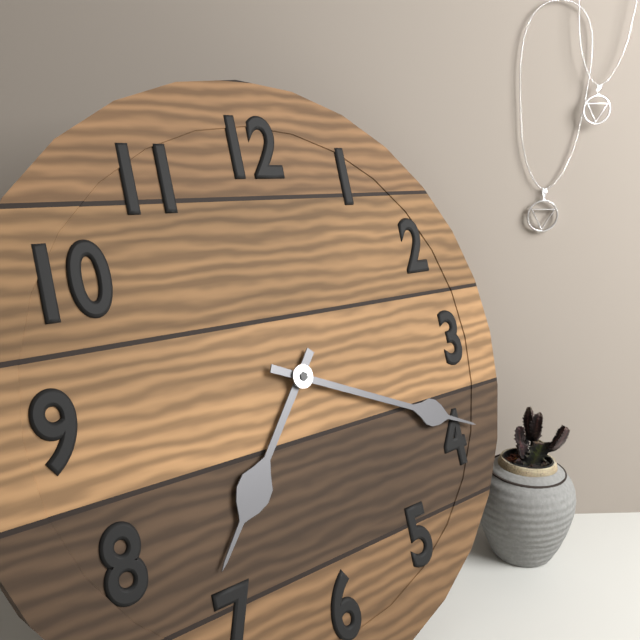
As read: 7:19
